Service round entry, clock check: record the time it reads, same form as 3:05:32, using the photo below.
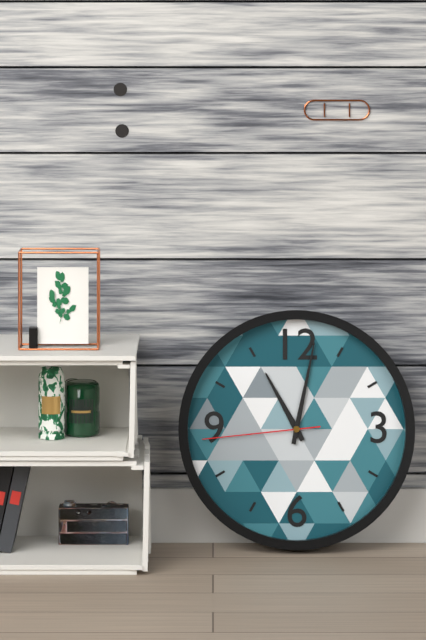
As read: 11:02:44
